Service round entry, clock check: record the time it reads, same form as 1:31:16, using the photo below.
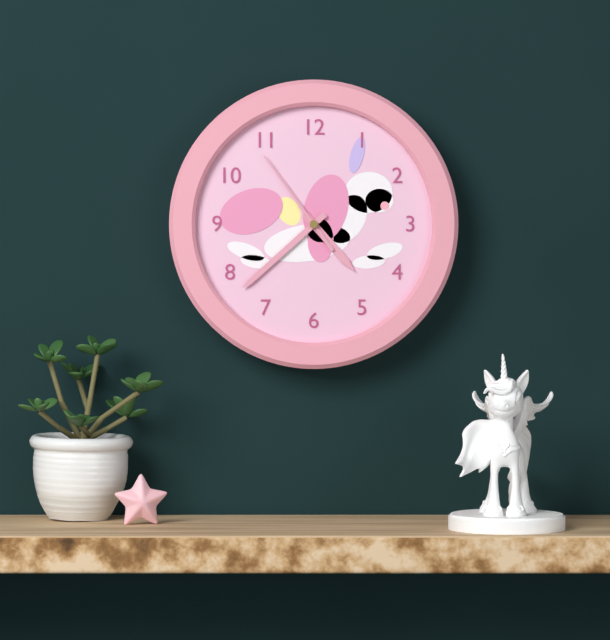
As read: 4:38:54
